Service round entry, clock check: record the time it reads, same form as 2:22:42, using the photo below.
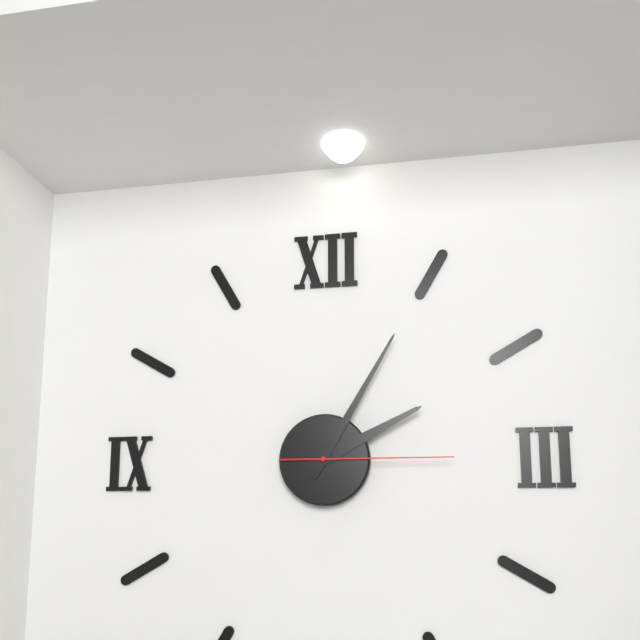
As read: 2:05:15
